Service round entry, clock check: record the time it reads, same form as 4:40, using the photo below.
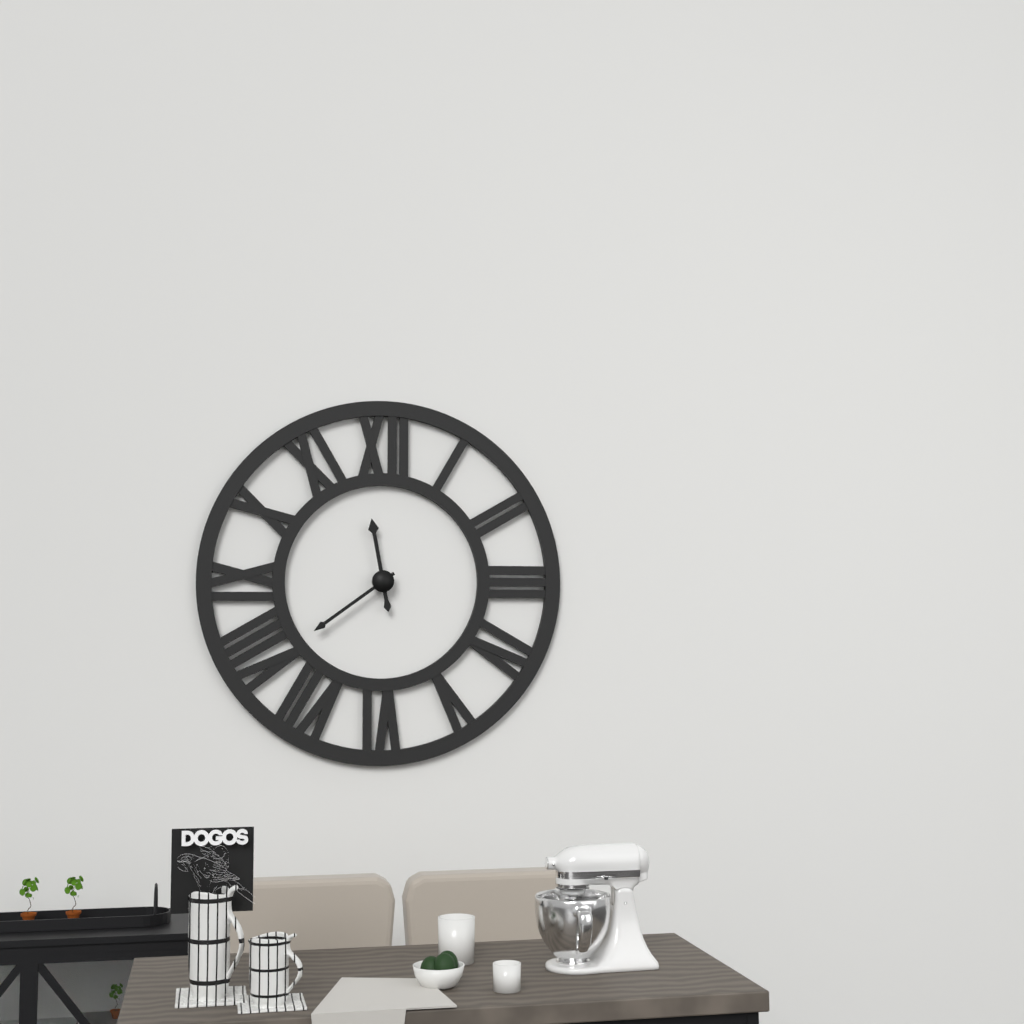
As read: 11:39
